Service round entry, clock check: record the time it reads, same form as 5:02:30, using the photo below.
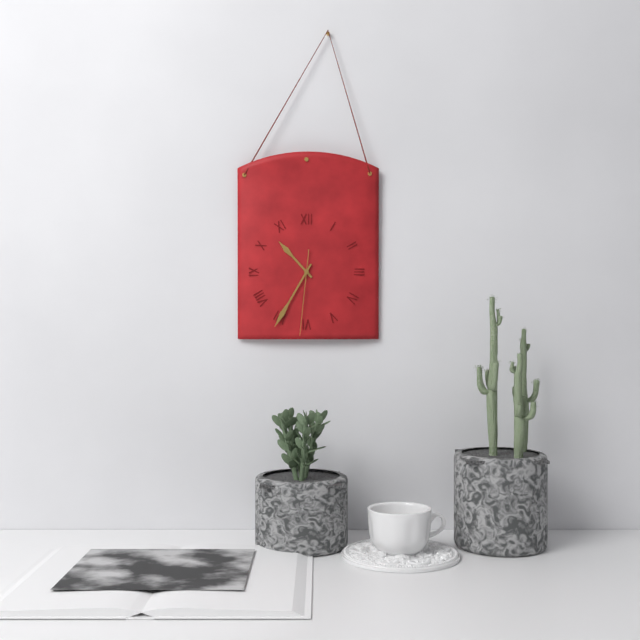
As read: 10:35:31
